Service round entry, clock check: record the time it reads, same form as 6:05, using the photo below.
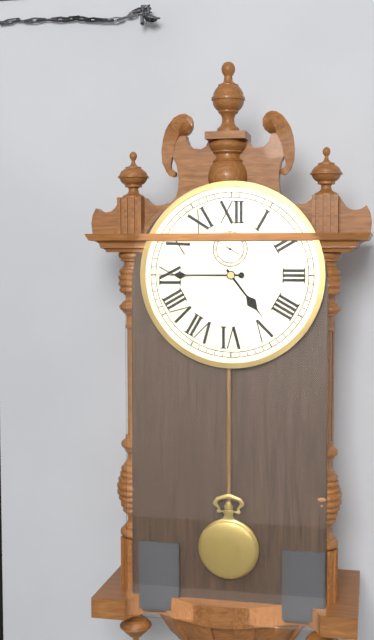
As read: 4:45
